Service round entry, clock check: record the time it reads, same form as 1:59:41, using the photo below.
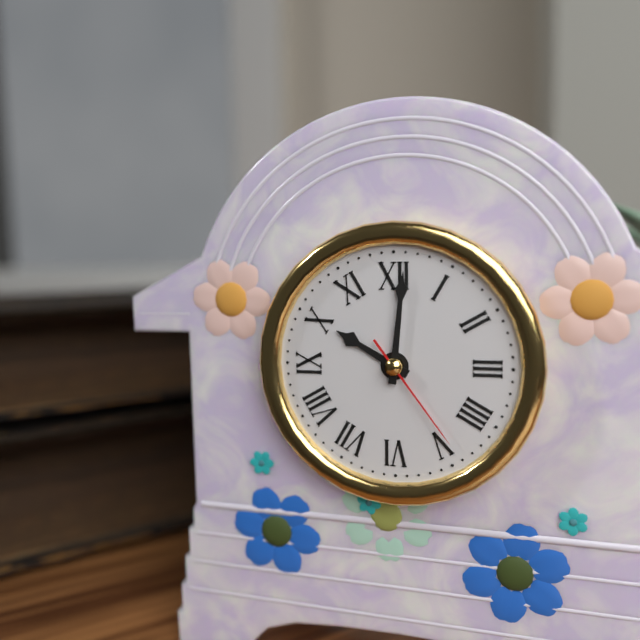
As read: 10:01:24
